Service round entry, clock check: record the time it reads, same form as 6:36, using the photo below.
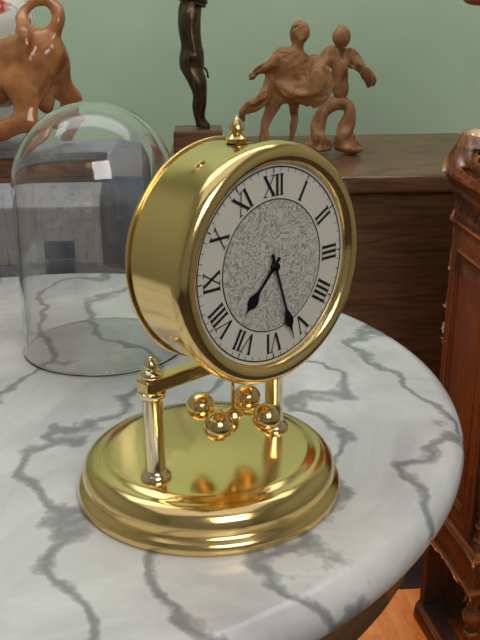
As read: 7:27
